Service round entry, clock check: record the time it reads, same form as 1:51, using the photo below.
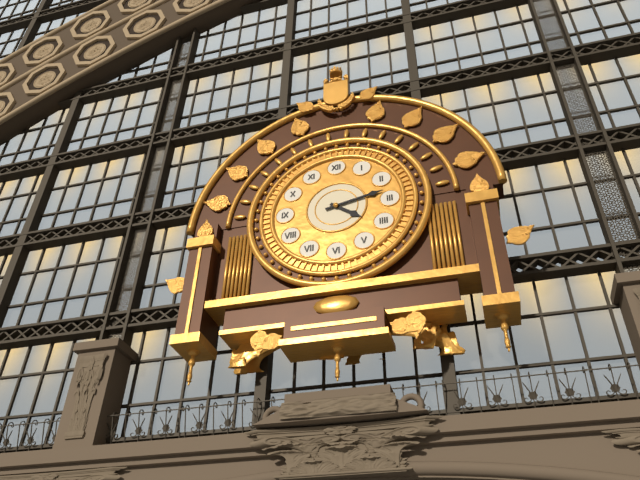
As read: 4:13
